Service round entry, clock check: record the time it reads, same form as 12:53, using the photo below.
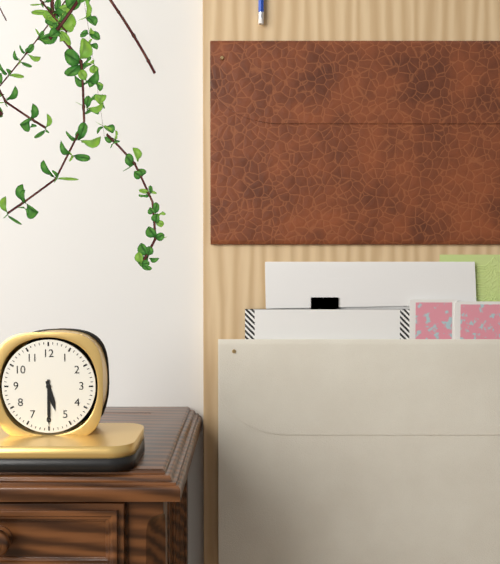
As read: 5:30
